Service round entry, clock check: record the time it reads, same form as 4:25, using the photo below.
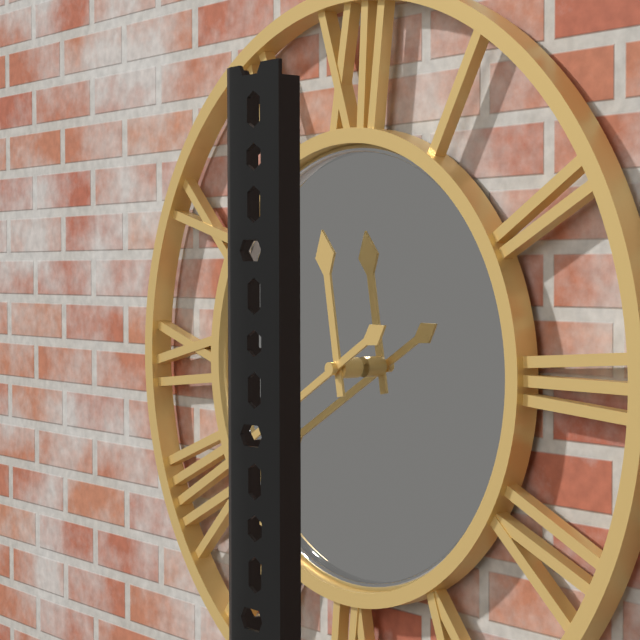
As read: 11:40
